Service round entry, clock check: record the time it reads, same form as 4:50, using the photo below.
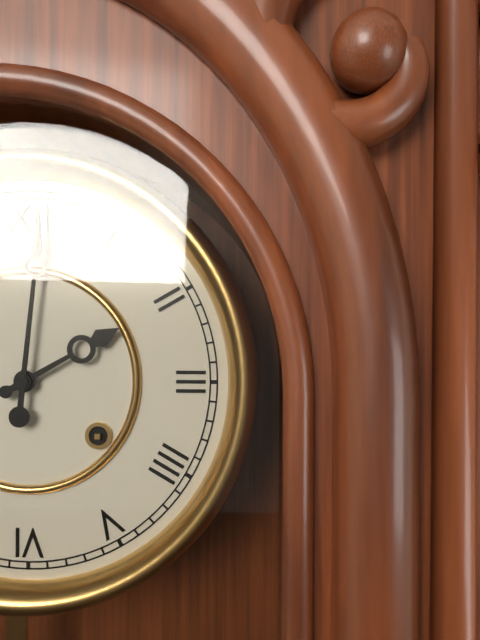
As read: 2:01
